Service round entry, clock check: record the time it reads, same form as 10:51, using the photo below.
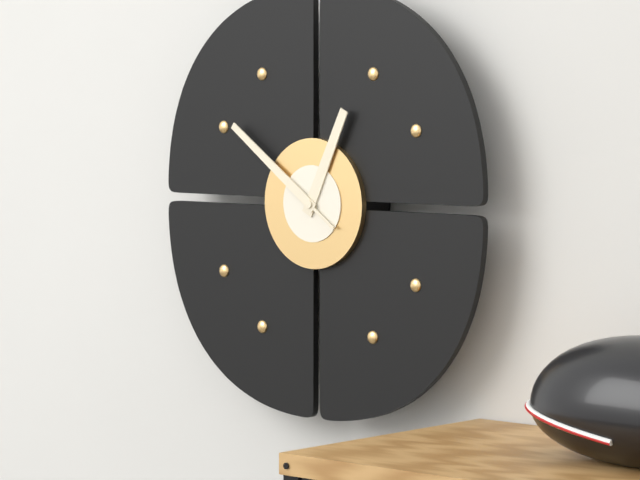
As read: 12:51
